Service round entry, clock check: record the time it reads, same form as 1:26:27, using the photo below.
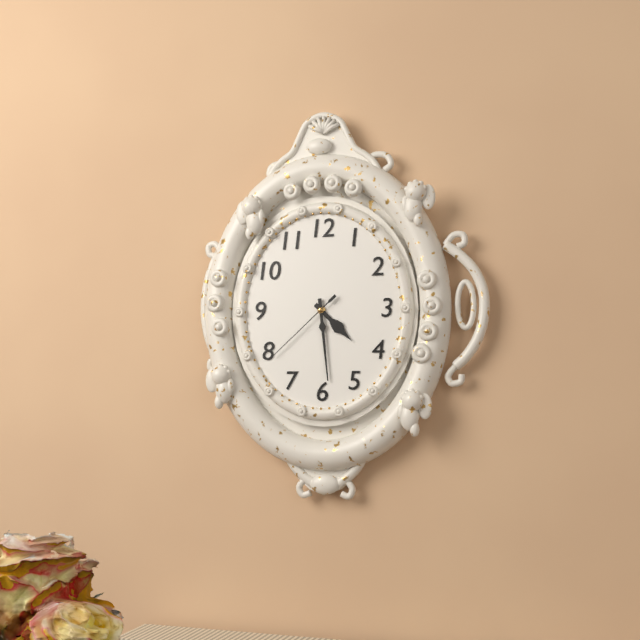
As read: 4:29:38
